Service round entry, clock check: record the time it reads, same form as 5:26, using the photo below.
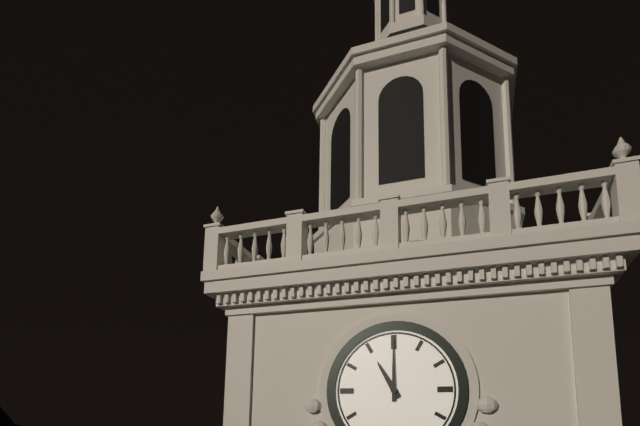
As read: 11:00
